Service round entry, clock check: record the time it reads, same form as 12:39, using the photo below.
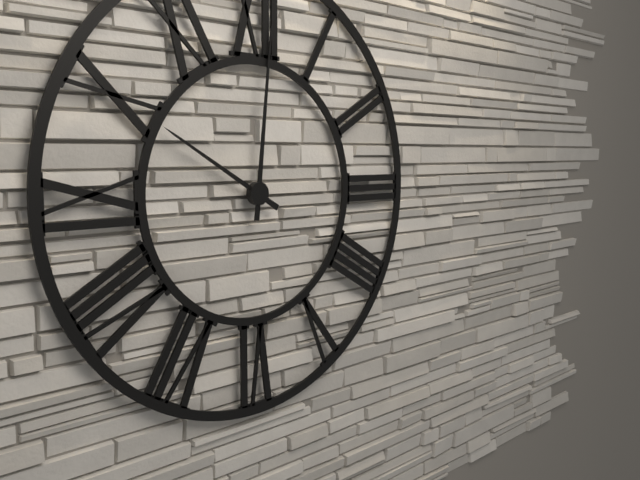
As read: 10:01
